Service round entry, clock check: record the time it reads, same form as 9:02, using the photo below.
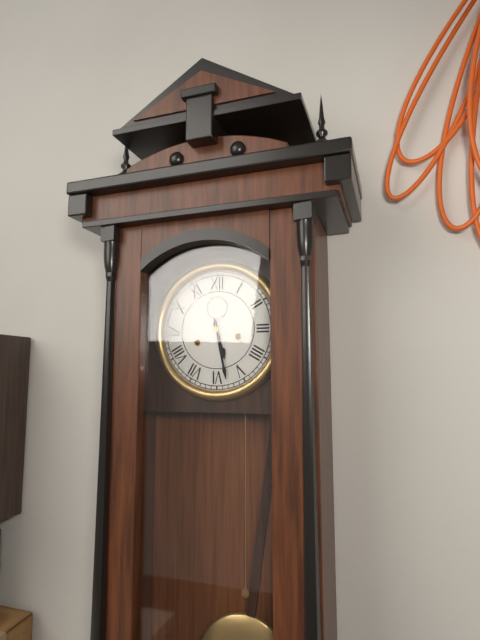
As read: 5:28
